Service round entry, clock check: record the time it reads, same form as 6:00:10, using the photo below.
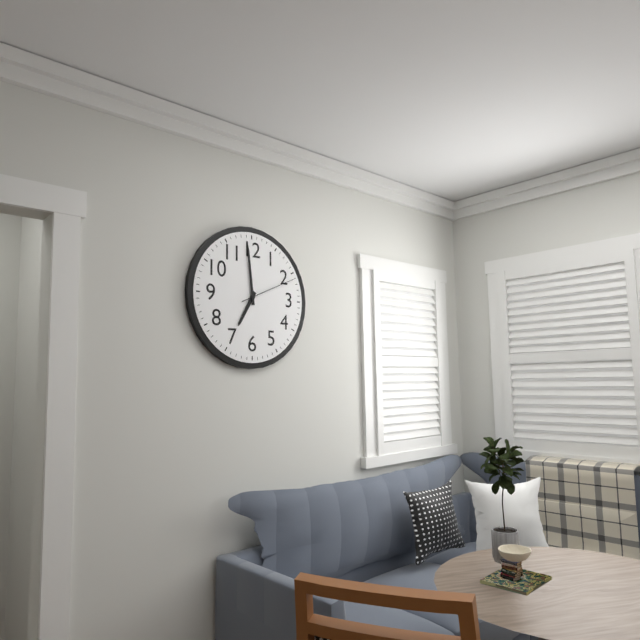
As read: 6:59:11
